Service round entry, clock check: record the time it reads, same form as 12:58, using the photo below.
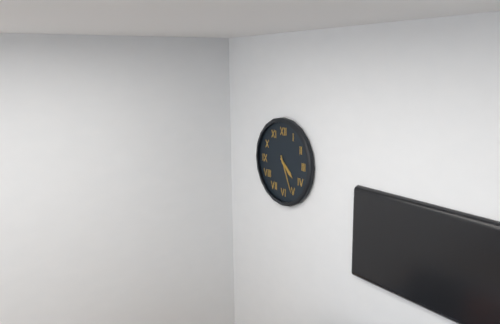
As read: 4:26
